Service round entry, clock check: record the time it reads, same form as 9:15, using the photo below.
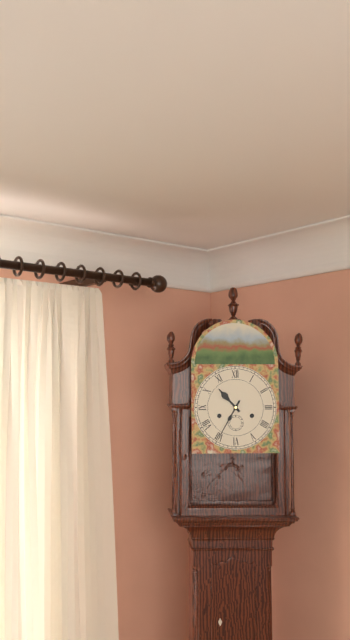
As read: 10:35
